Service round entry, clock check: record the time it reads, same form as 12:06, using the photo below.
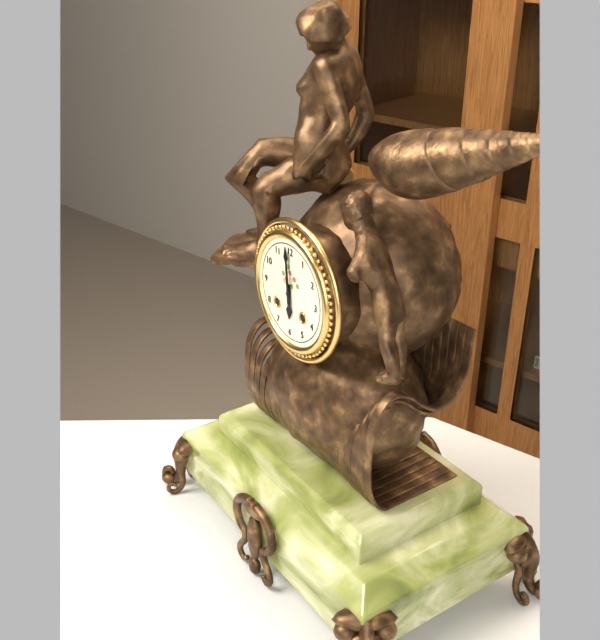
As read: 5:59
